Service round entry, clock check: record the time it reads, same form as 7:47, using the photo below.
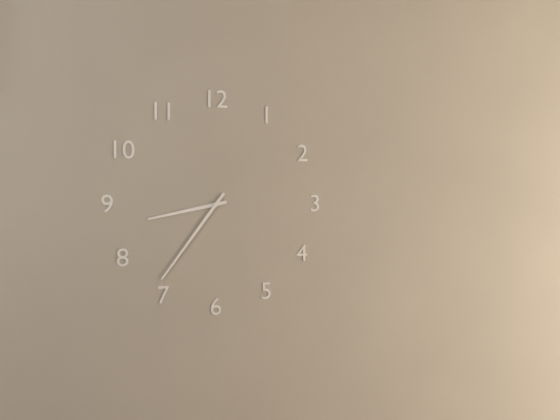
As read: 8:36
